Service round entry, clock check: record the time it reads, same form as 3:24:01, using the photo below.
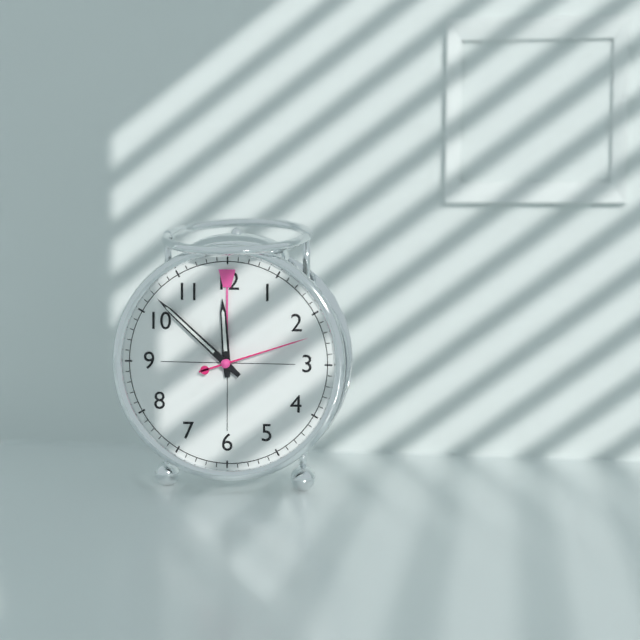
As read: 11:52:12
